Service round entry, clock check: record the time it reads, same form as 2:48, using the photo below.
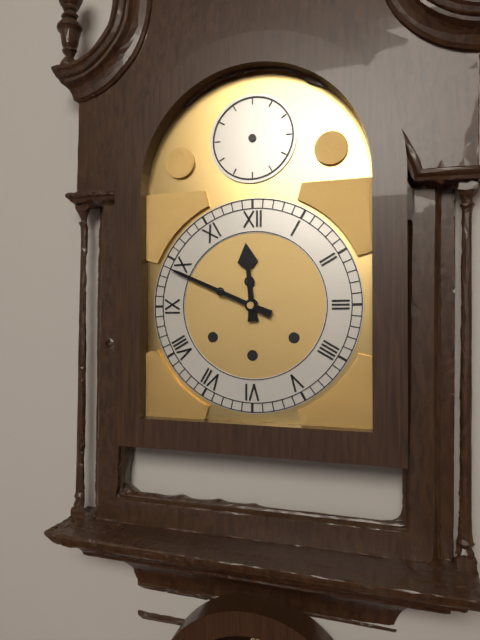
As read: 11:49
